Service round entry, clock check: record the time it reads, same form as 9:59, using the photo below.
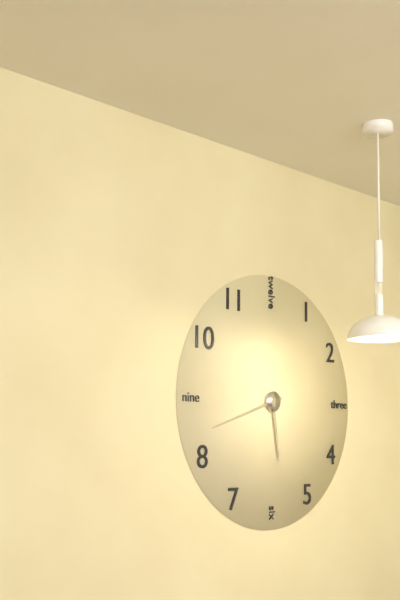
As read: 5:42
